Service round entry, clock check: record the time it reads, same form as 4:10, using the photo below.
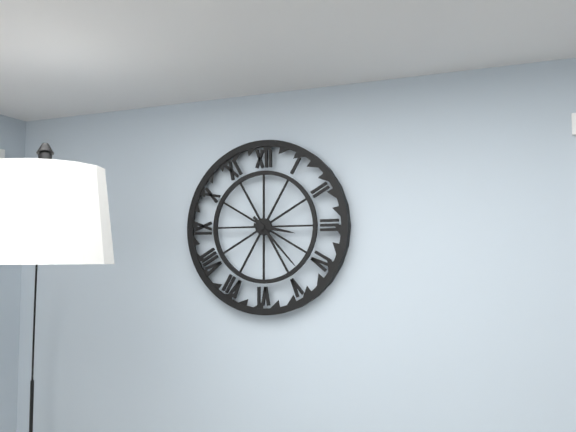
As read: 3:23
